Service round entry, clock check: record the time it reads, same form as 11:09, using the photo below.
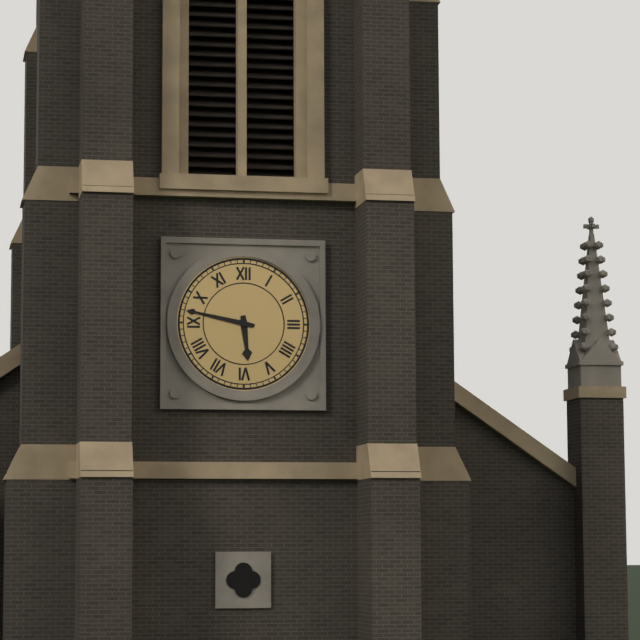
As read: 5:47
